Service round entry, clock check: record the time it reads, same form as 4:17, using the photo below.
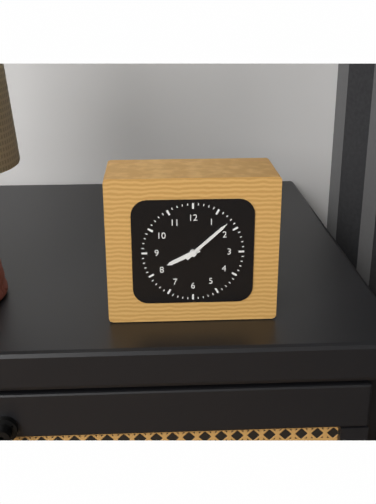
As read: 8:08
